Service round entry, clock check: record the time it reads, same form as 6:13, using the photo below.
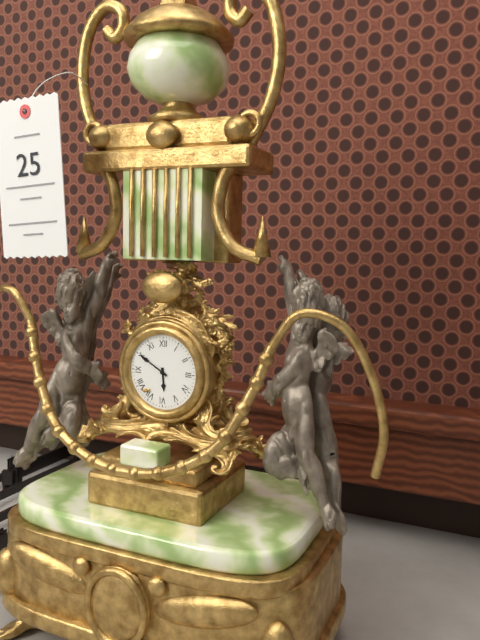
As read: 5:50
